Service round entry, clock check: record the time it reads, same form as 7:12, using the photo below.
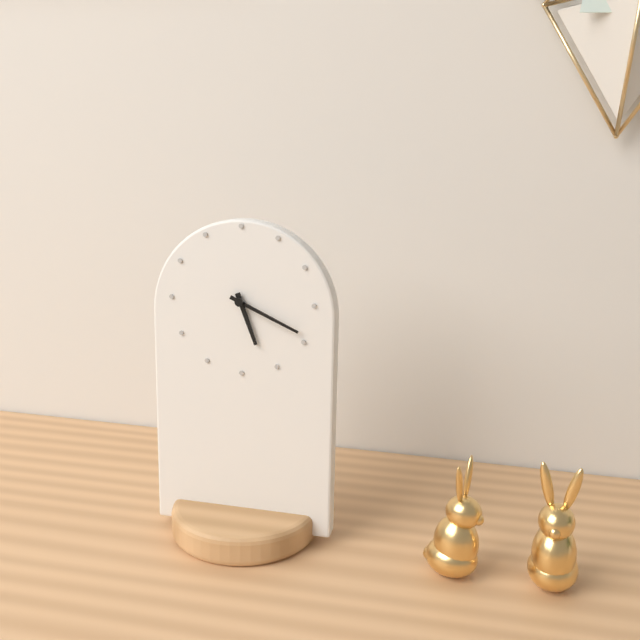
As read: 5:19
